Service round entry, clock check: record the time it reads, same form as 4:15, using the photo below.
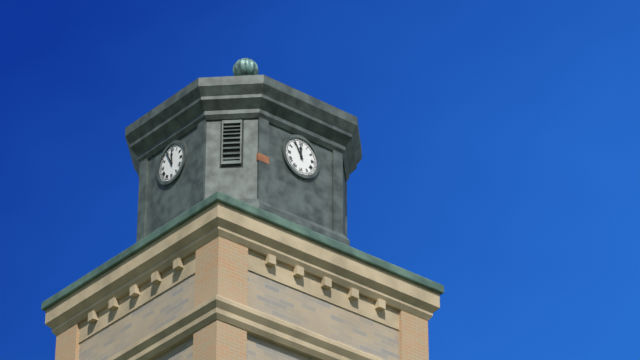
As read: 11:55
